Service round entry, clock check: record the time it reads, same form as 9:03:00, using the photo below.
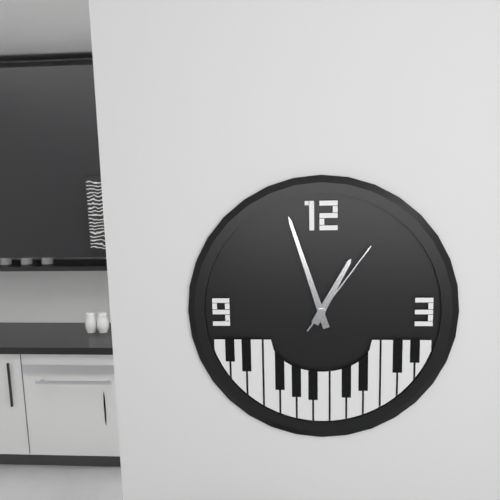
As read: 12:57:06
